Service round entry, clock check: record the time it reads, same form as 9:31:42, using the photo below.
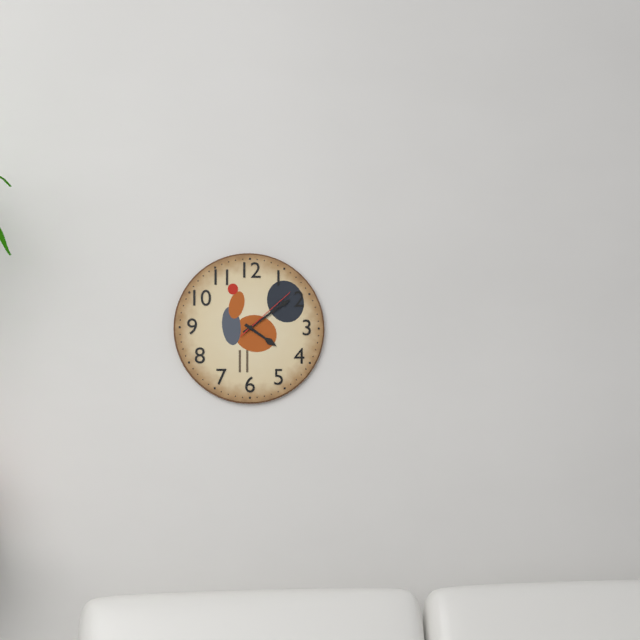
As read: 4:09:08
